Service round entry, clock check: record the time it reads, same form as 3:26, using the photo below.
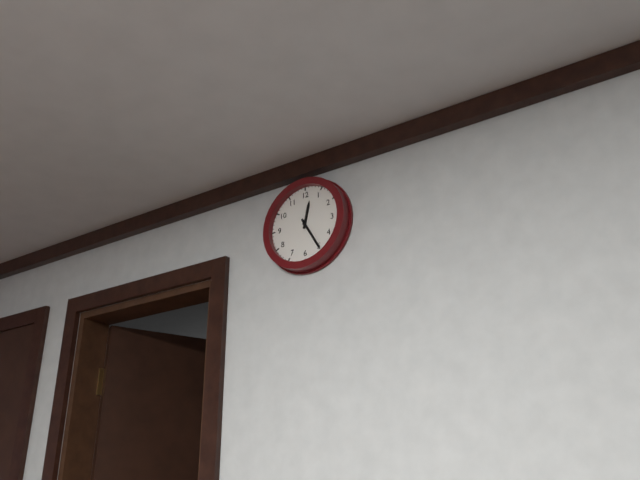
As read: 12:25
